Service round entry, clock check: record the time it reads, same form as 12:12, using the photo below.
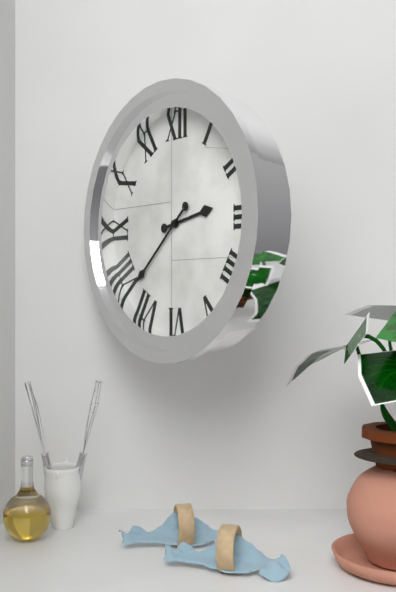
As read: 2:38
